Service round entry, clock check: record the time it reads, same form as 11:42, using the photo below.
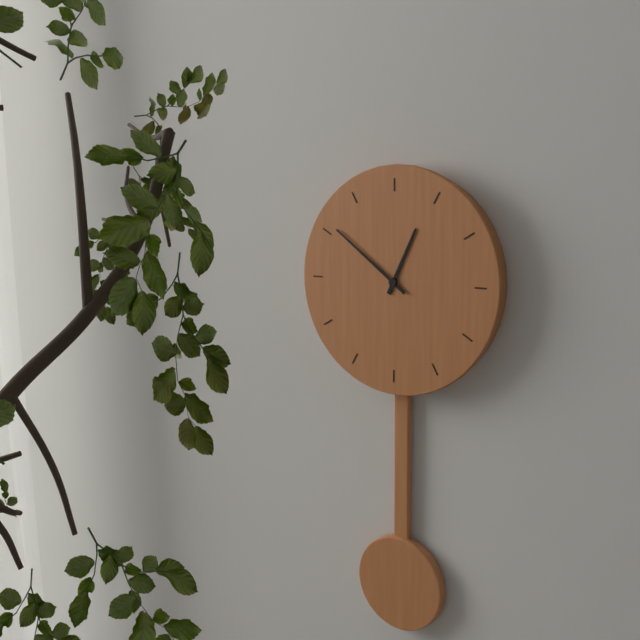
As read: 12:51
